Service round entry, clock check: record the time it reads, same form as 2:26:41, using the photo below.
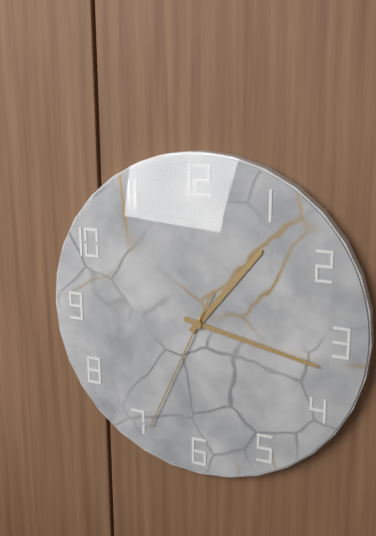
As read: 1:17:34
